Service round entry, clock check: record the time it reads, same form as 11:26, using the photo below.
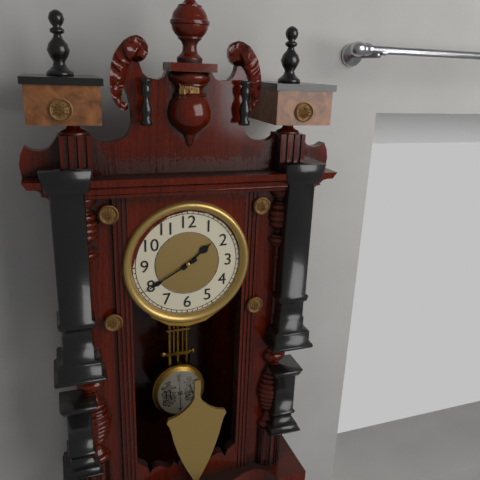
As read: 1:40
